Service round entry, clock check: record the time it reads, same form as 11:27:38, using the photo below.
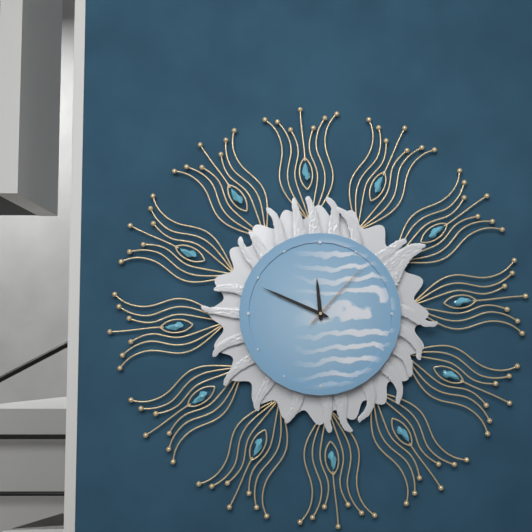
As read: 11:49:07
